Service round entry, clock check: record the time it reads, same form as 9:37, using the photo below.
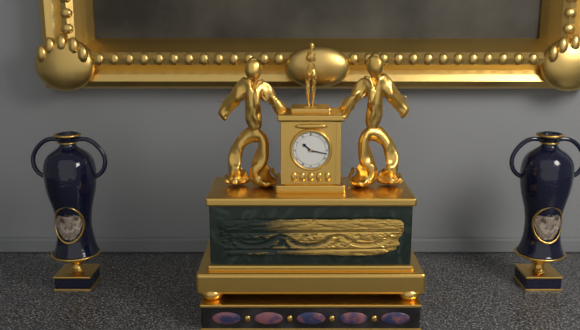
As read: 10:17
